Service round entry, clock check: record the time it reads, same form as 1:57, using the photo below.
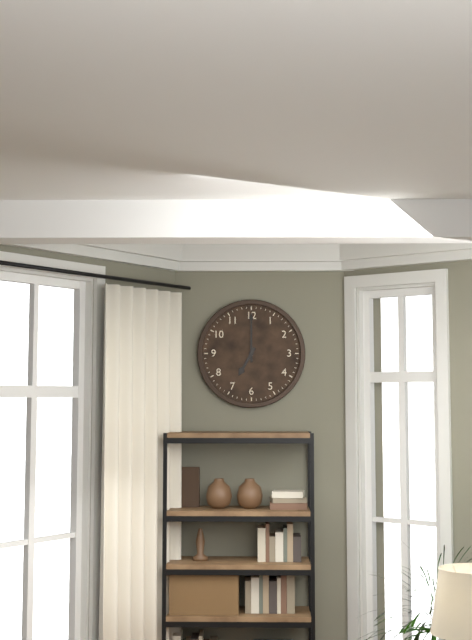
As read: 7:00
